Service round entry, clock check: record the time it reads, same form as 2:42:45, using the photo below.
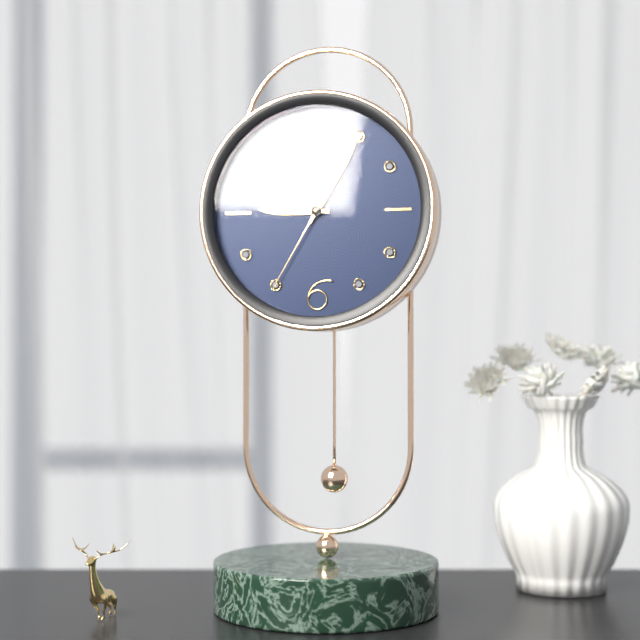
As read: 9:05:35
